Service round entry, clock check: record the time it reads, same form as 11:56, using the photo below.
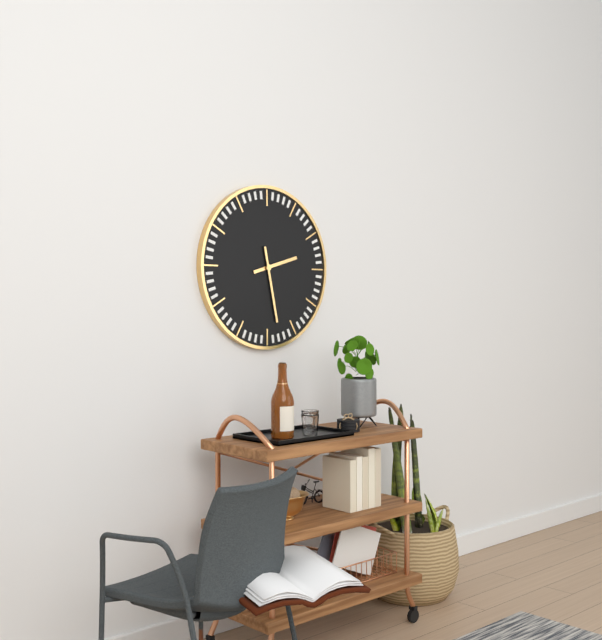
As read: 2:28
